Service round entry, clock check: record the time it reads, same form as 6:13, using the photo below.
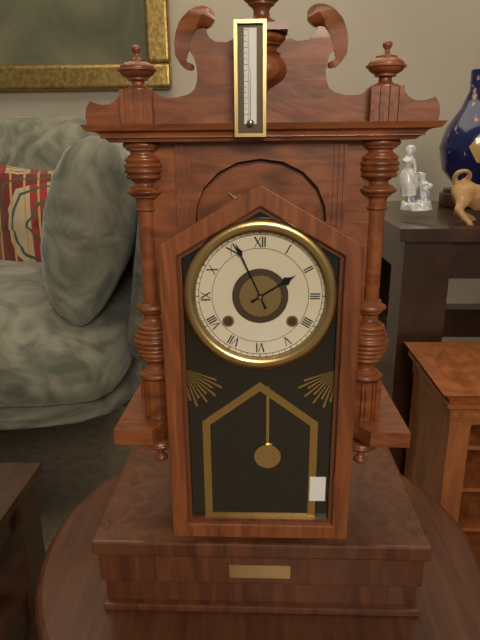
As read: 1:56
